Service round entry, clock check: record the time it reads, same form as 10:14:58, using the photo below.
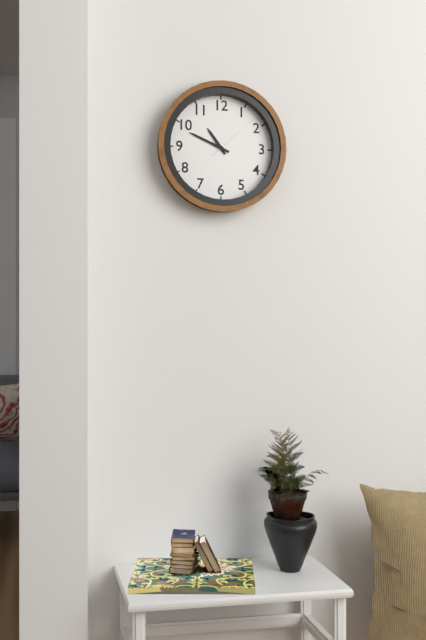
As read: 10:49:08
